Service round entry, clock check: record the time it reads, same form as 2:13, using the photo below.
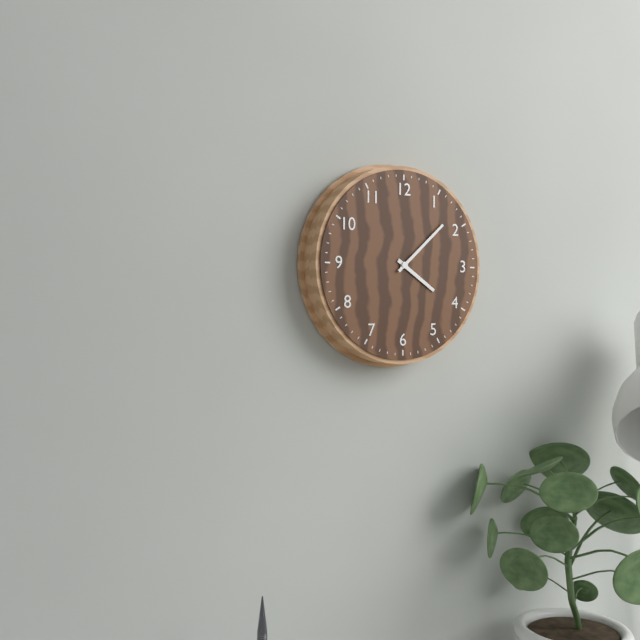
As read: 4:08
